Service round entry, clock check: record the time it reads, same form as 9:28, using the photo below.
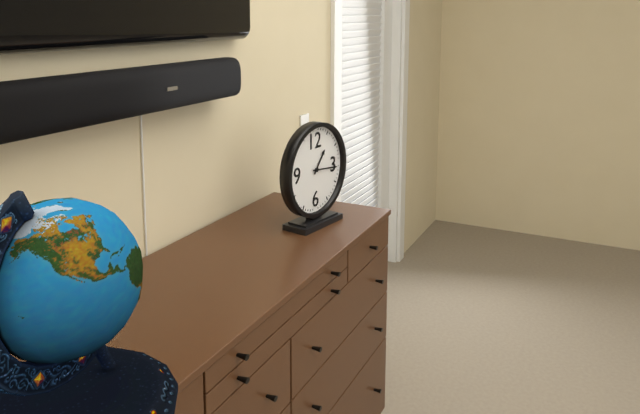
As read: 1:16
